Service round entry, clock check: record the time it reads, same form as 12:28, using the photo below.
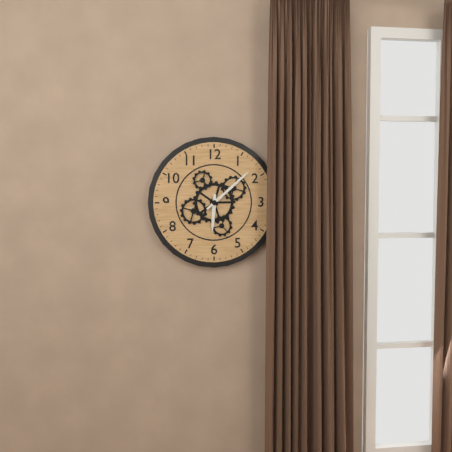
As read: 6:08
